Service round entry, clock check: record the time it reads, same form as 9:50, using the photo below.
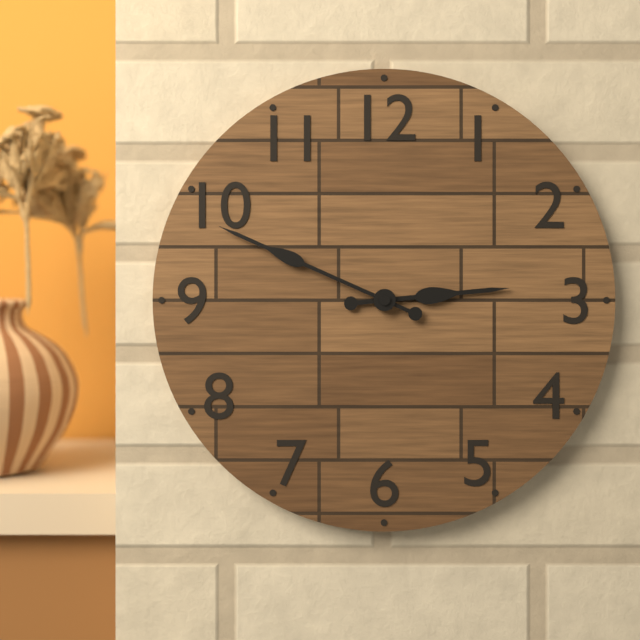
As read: 2:49
